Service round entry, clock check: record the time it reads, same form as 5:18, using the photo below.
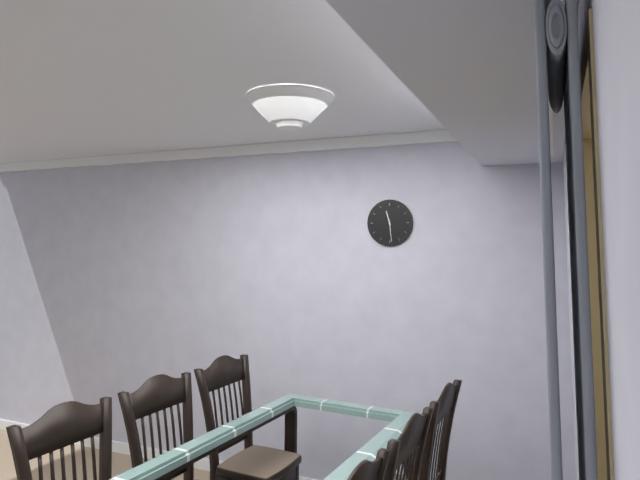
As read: 11:29
